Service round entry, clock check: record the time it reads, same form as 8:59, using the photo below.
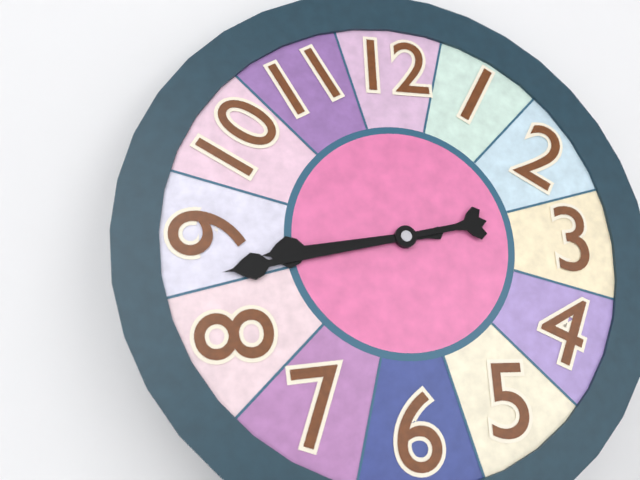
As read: 8:43
